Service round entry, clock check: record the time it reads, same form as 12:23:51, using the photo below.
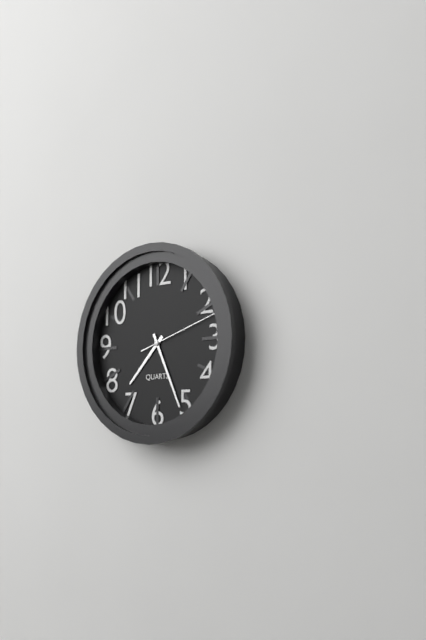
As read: 7:26:12
